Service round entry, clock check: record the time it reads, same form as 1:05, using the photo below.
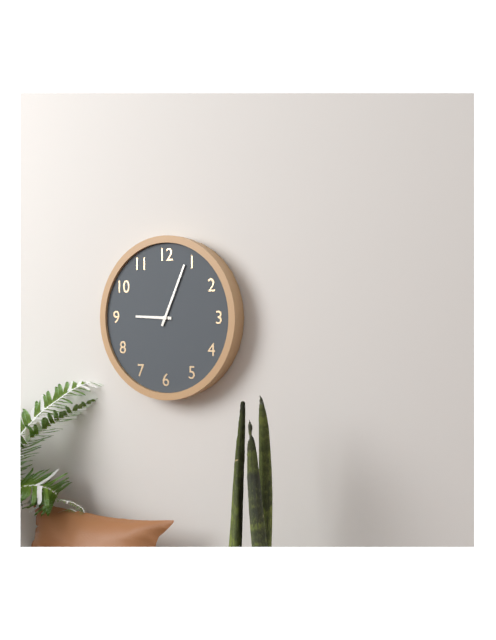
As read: 9:04
